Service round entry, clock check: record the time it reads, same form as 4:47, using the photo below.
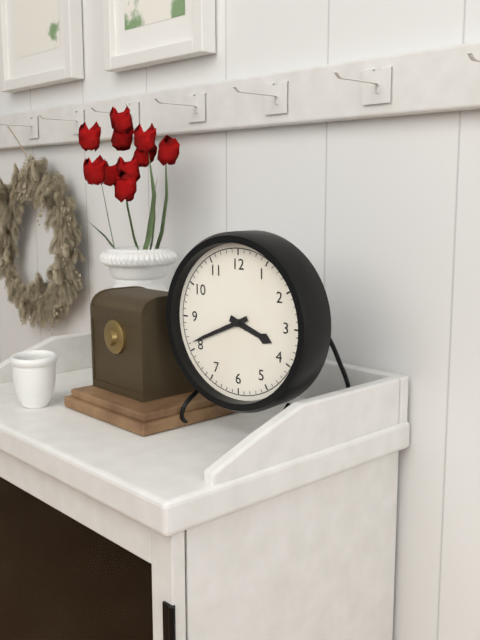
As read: 3:41
